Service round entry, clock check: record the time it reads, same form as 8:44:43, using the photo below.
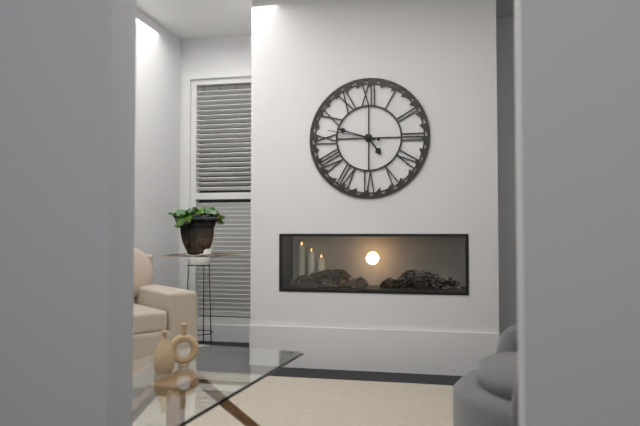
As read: 4:48:47
